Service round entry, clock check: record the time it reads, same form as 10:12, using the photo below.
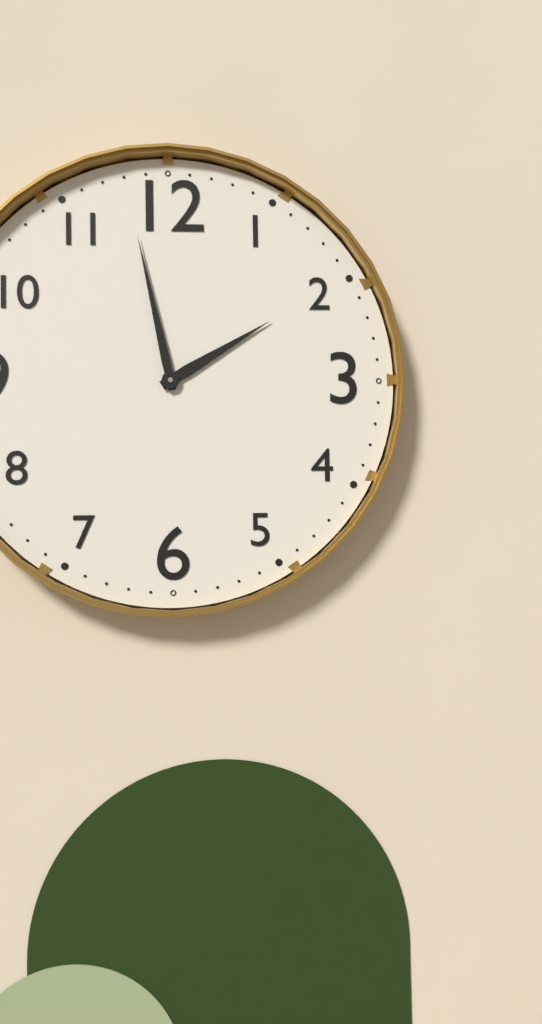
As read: 1:58
